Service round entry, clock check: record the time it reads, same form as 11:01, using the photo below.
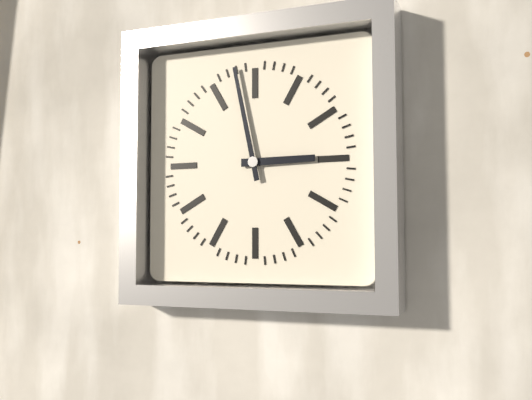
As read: 2:58
